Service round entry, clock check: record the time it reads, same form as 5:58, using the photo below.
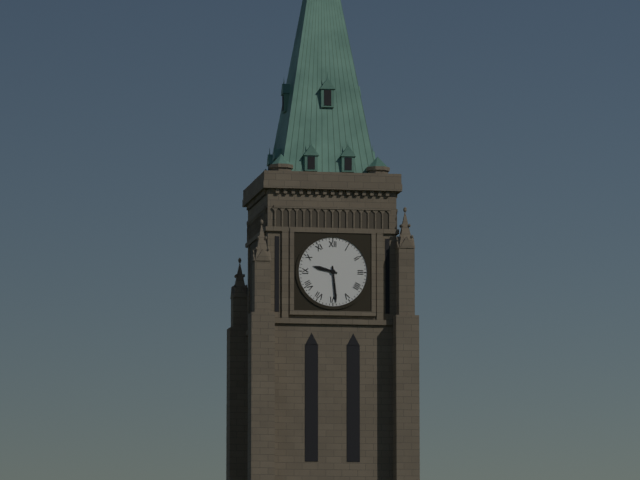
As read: 9:29
